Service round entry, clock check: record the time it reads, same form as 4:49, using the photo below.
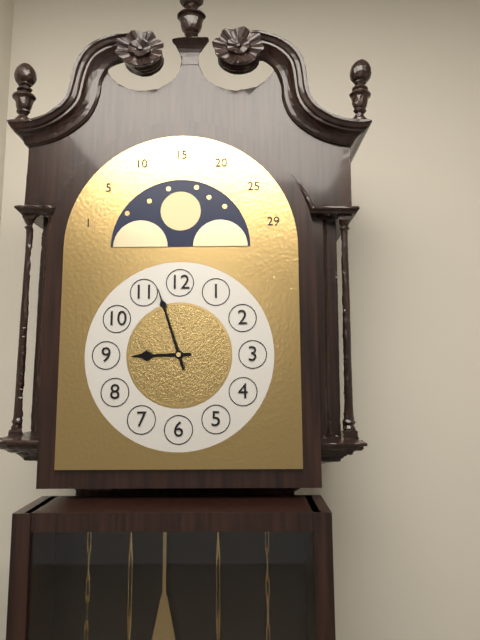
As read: 8:57
